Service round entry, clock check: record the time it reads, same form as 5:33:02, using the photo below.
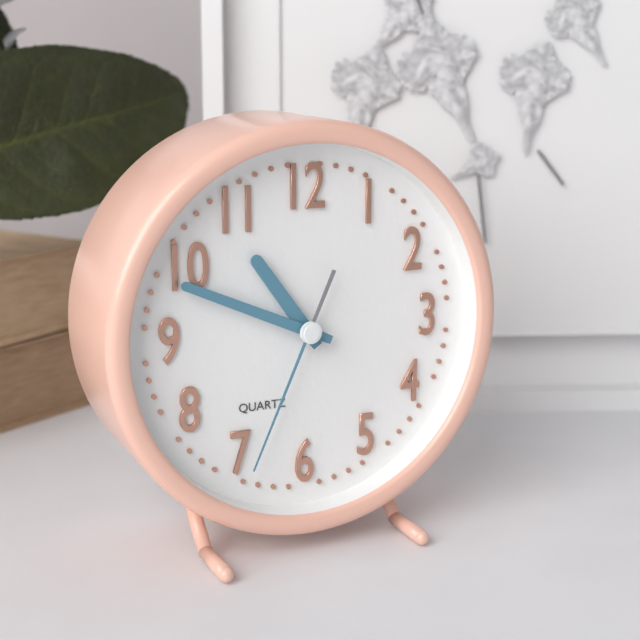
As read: 10:49:34
